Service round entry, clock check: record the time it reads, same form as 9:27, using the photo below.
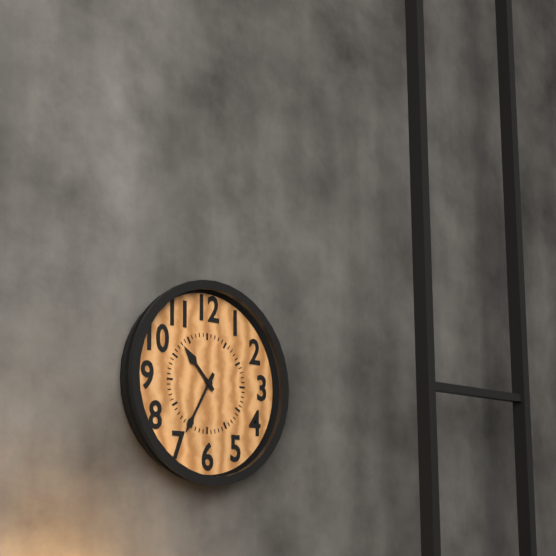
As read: 10:35
